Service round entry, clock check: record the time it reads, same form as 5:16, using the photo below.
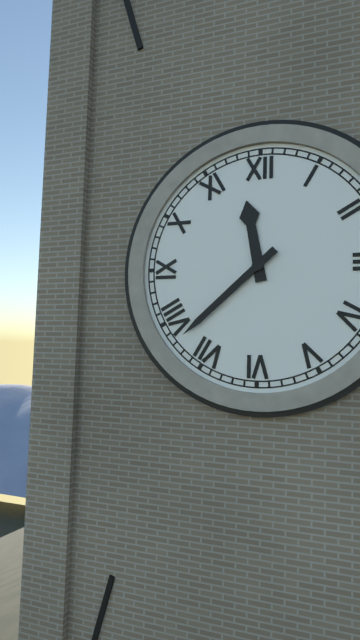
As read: 11:38
